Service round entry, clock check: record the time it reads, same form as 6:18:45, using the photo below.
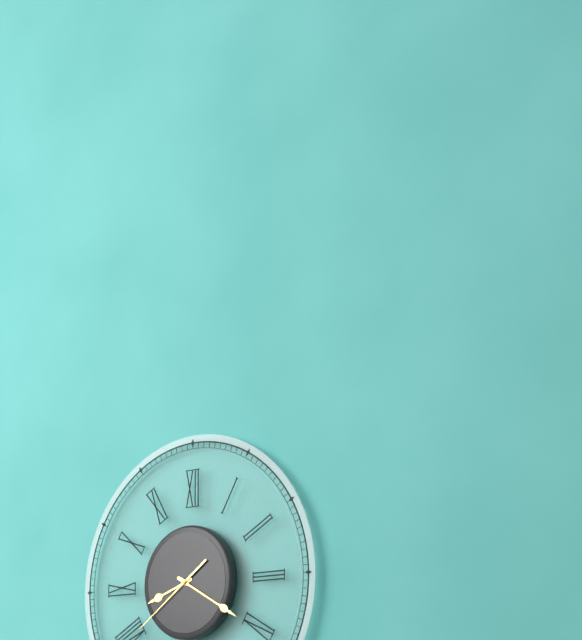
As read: 8:20:39
